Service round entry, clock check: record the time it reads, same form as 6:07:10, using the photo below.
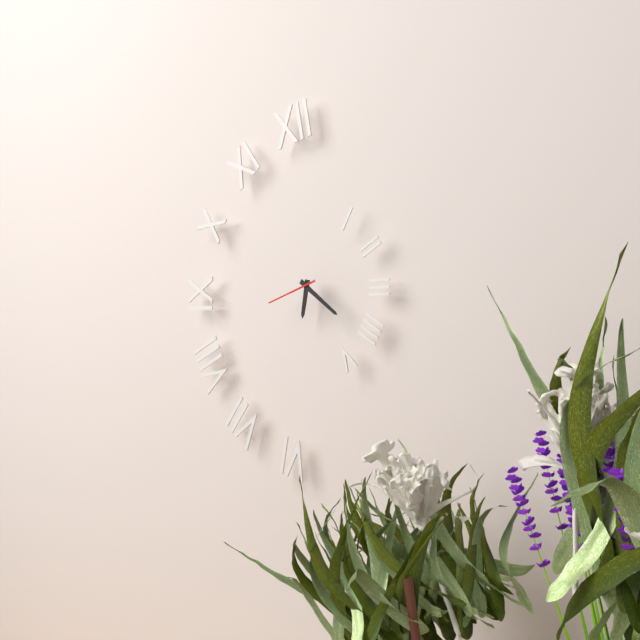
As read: 6:21:42
